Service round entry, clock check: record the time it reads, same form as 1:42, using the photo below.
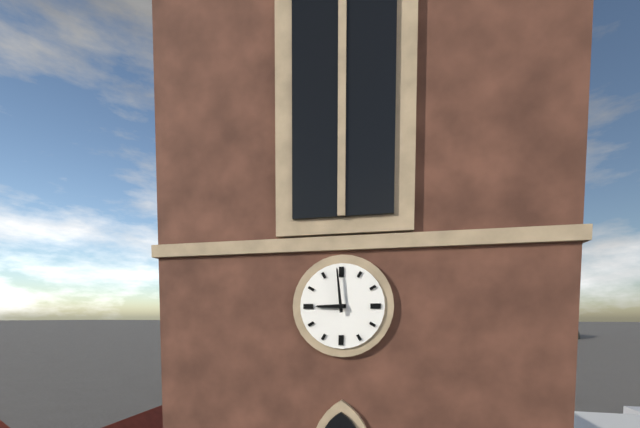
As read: 8:59
